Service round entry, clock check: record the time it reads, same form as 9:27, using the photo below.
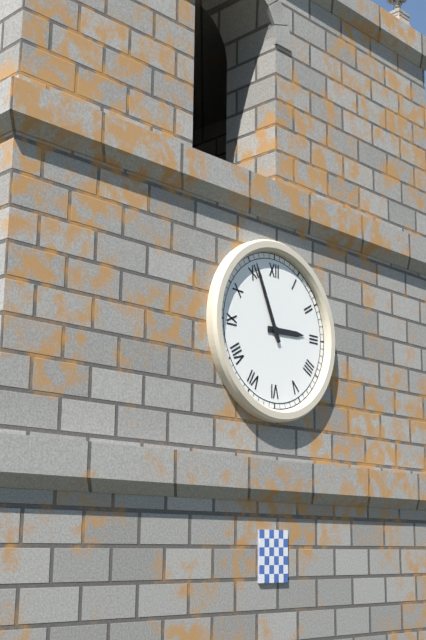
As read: 2:56
